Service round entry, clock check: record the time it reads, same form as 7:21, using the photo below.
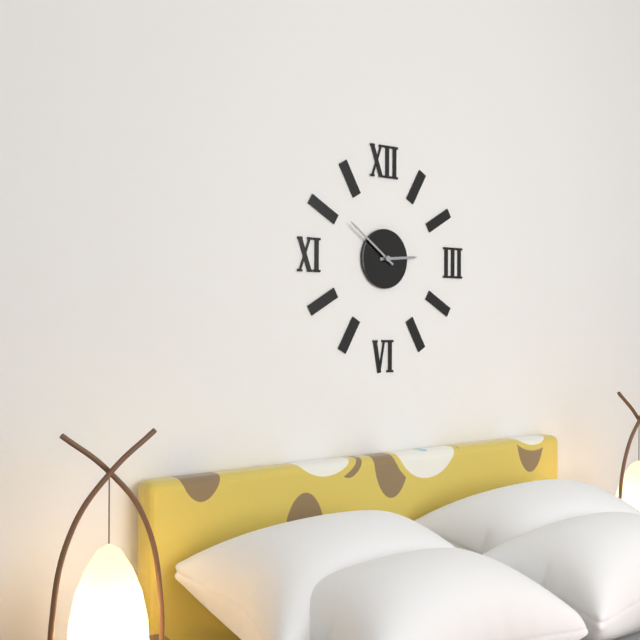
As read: 2:51
